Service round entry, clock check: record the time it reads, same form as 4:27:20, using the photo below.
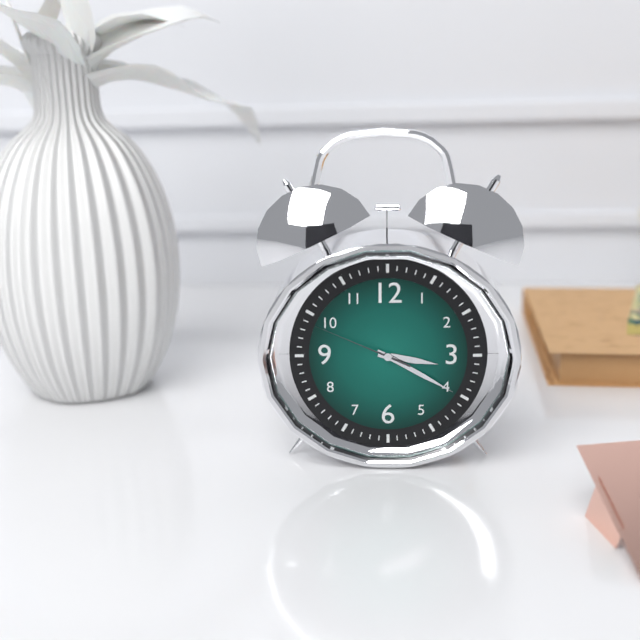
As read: 3:20:49
